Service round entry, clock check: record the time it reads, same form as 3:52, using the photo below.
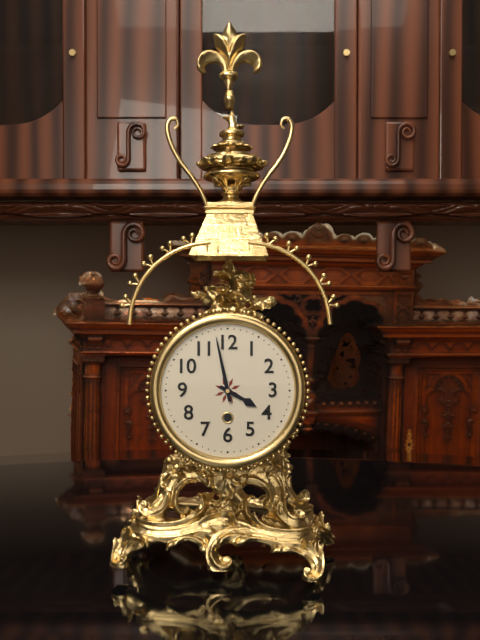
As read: 3:58
